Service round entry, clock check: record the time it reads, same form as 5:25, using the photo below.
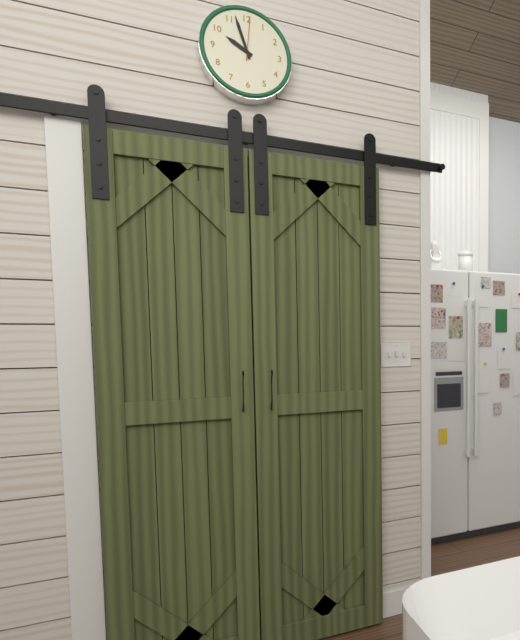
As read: 9:57
